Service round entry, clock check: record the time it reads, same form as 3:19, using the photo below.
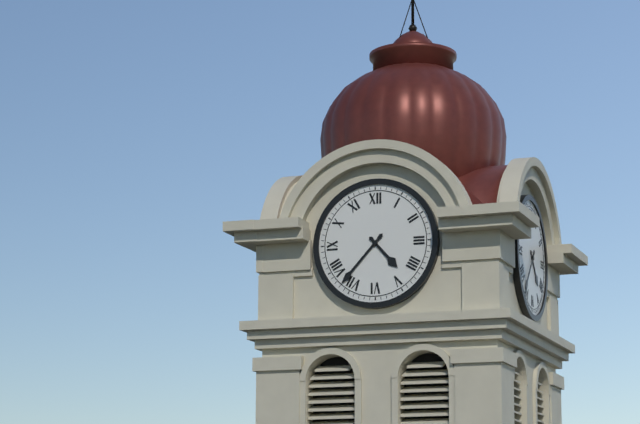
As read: 4:37
